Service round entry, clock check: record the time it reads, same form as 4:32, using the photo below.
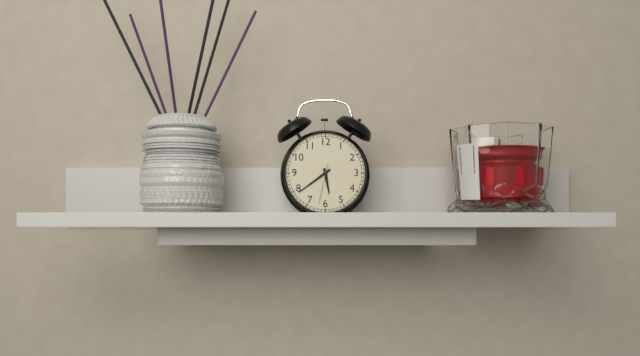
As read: 5:39
